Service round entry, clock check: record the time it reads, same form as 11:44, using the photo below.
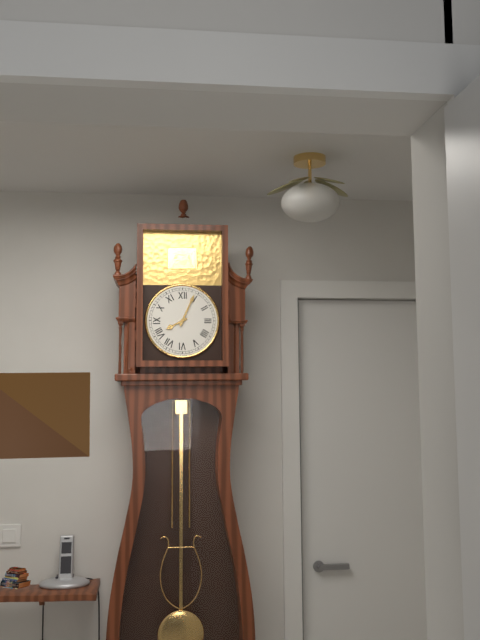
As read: 8:04
